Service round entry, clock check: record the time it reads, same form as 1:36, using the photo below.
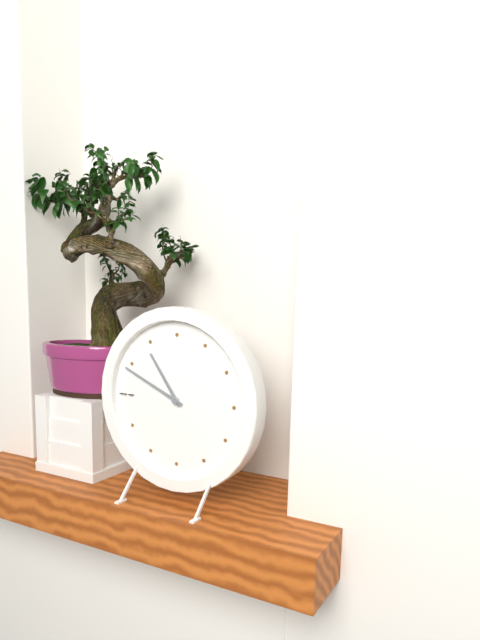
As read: 10:49
